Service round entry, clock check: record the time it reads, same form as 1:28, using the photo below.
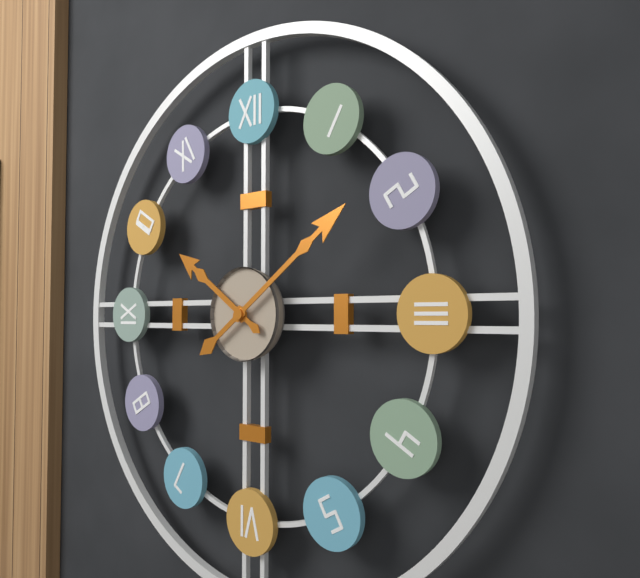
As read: 10:09
